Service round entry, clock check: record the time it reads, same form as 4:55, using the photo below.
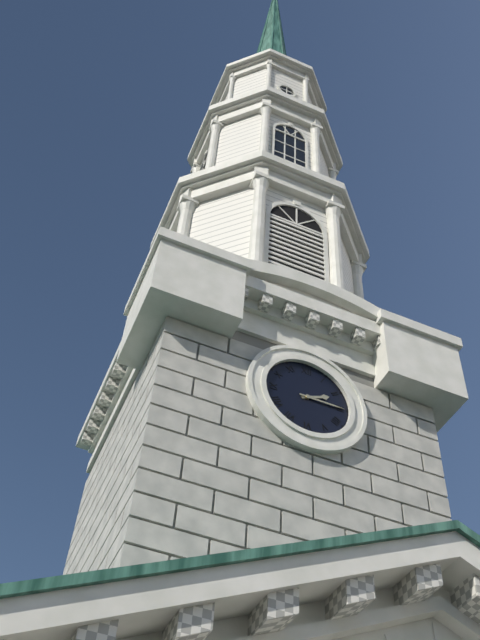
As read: 2:15
